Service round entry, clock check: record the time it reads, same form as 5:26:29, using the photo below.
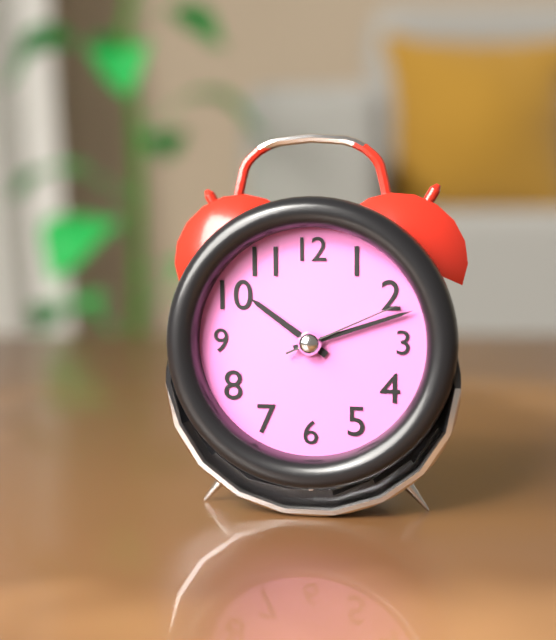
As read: 10:12:11
